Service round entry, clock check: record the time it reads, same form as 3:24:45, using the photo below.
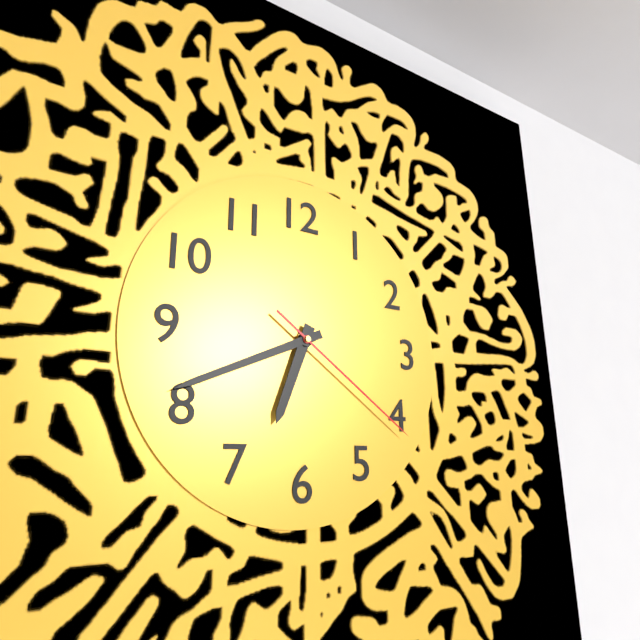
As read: 6:41:21
